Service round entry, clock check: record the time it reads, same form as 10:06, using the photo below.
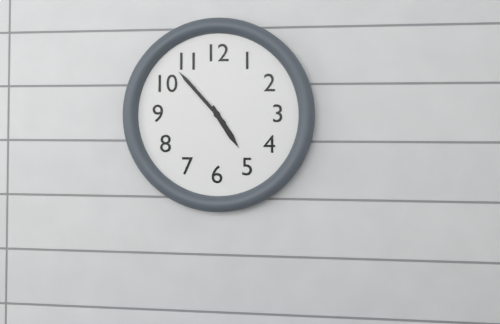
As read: 4:53
